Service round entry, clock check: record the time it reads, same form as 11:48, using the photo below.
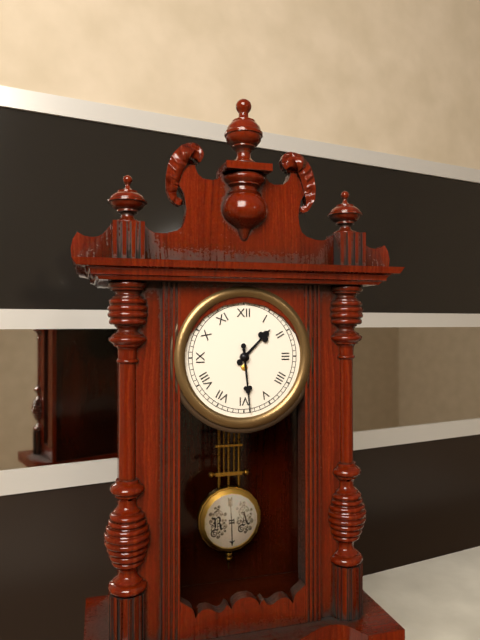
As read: 1:29
